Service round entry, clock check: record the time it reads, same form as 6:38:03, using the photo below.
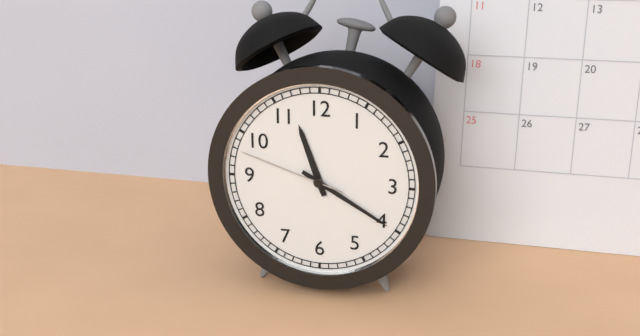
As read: 11:20:48
